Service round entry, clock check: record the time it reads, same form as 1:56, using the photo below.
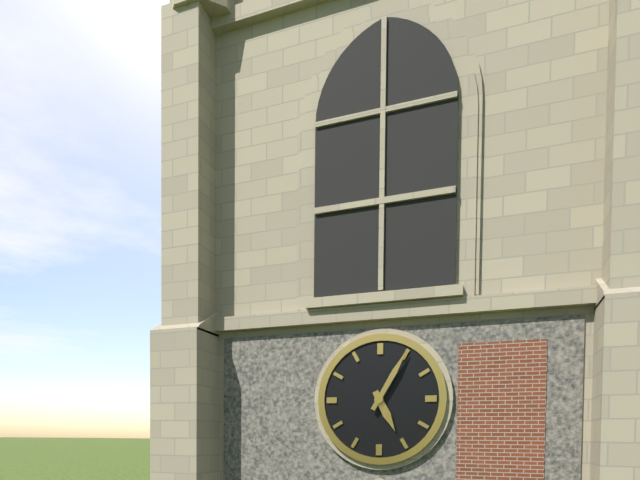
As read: 5:05
